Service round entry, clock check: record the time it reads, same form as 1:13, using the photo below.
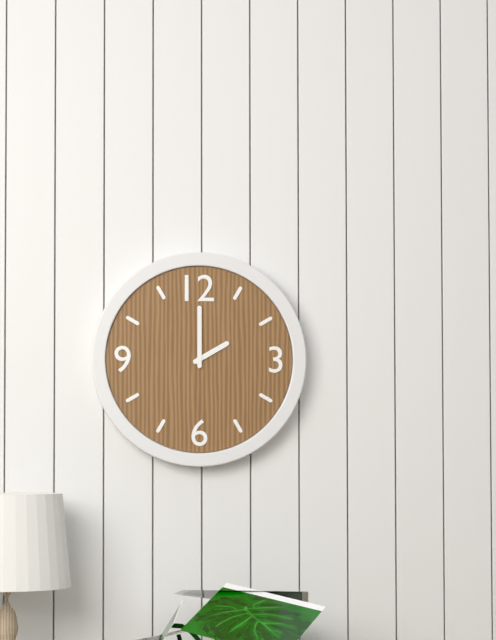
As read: 2:00
